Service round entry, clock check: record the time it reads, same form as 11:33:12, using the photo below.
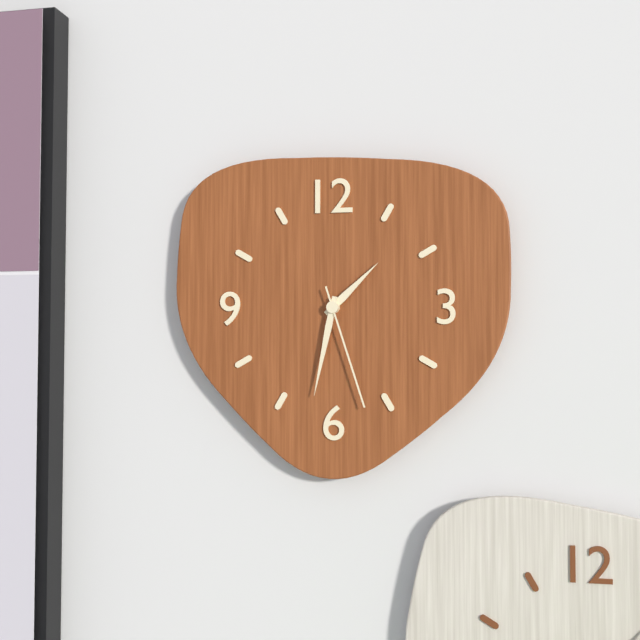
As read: 1:32:27
